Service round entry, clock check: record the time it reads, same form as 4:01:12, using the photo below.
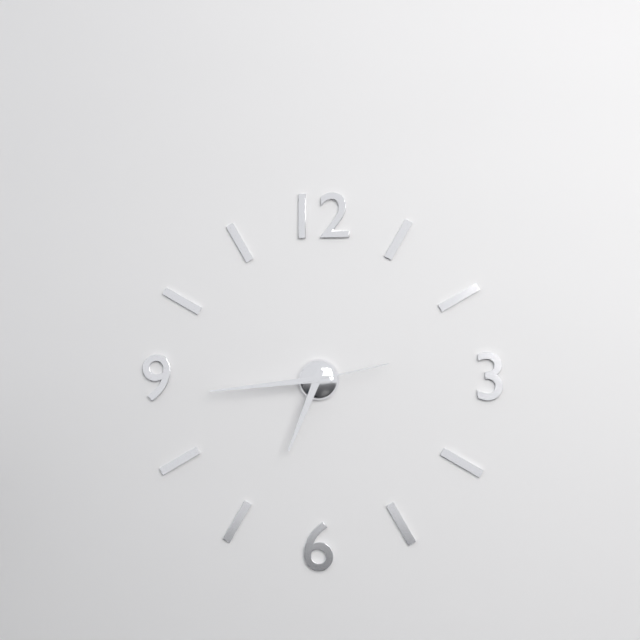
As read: 6:44:13
